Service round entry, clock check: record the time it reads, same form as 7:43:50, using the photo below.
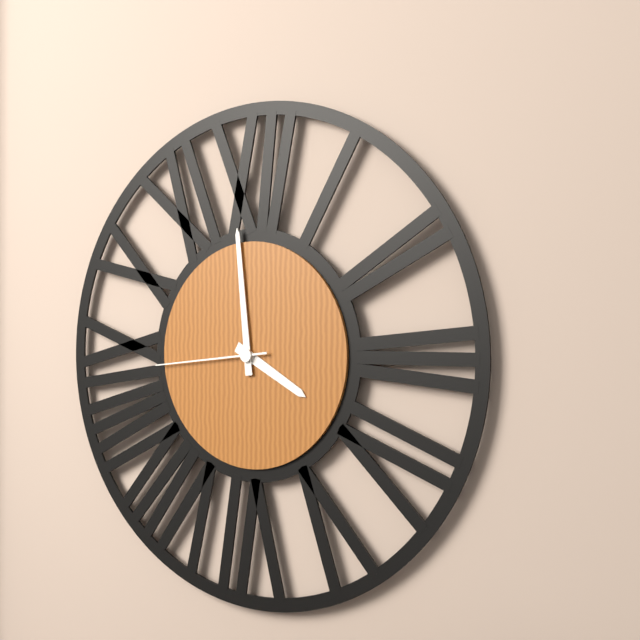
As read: 3:59:44
